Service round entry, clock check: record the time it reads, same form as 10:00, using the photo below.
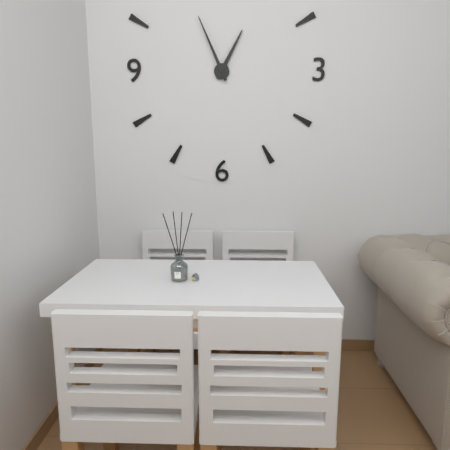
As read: 12:56
